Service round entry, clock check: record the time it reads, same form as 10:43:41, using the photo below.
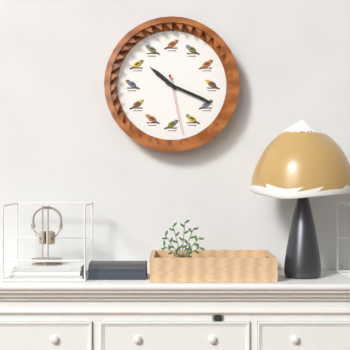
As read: 10:19:28
